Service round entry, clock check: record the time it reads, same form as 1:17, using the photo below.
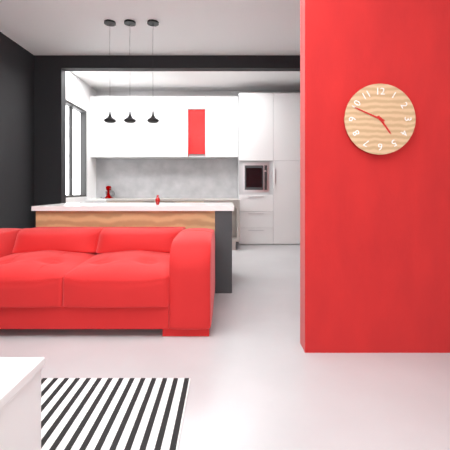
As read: 4:49
